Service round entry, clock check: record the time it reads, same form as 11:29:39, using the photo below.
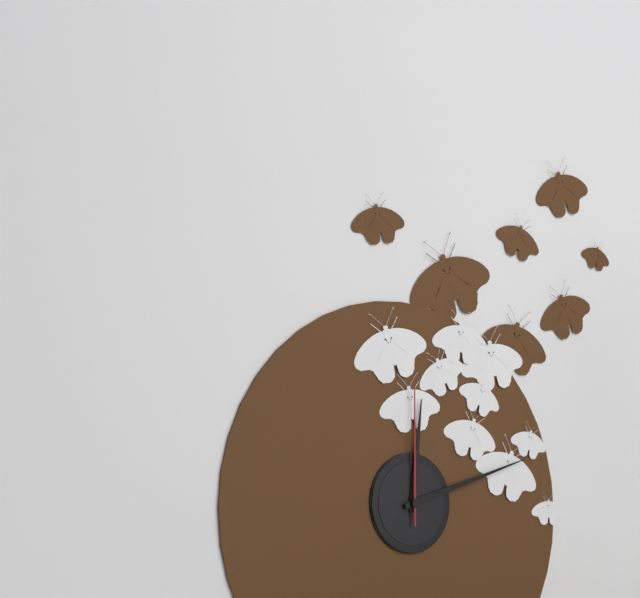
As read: 12:12:00
